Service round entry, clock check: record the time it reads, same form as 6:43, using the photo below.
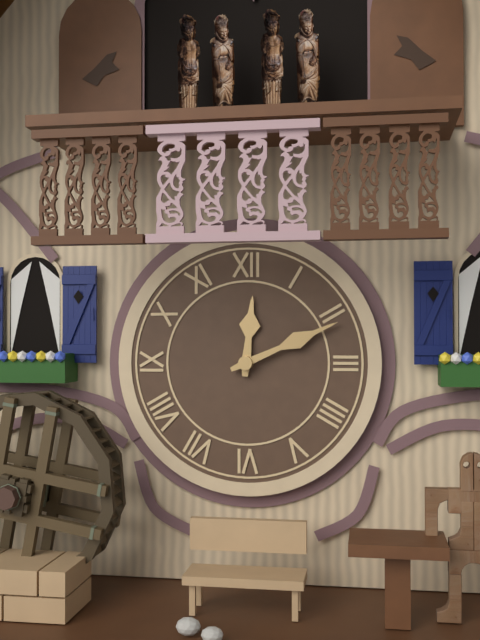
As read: 12:11
